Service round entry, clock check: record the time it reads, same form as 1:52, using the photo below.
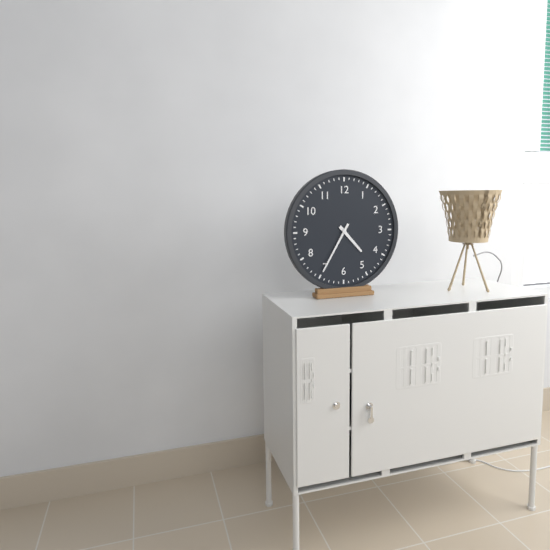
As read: 4:35
